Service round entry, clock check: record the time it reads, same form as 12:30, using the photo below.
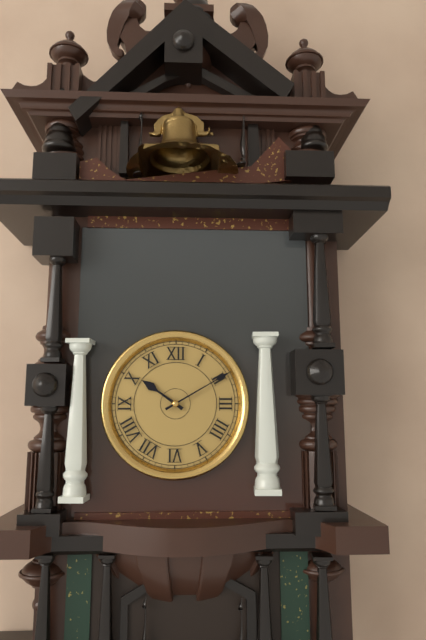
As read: 10:10
